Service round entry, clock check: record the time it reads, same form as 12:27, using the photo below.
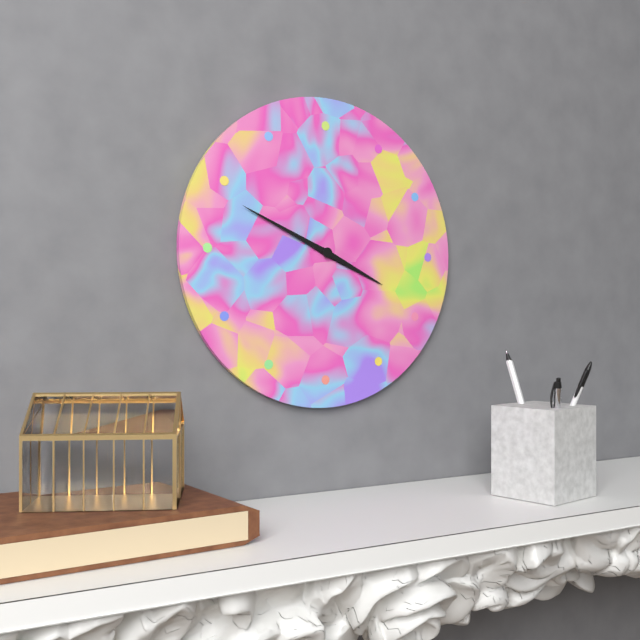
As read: 3:49
